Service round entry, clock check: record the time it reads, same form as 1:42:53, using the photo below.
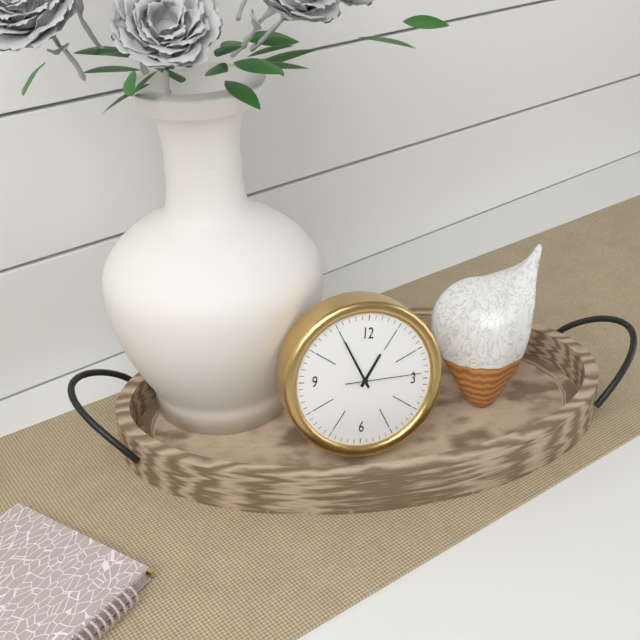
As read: 12:55:14
